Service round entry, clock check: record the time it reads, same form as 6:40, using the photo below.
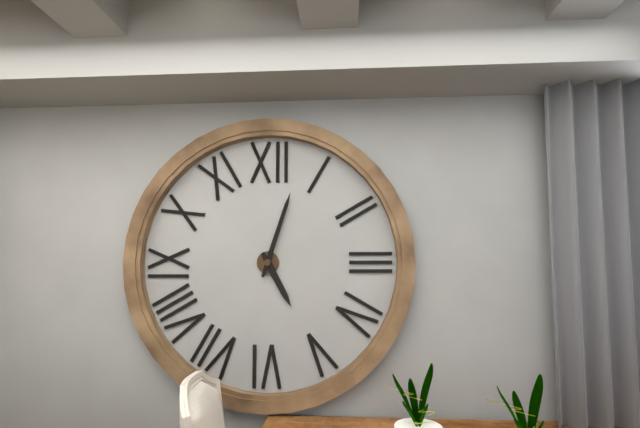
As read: 5:03
